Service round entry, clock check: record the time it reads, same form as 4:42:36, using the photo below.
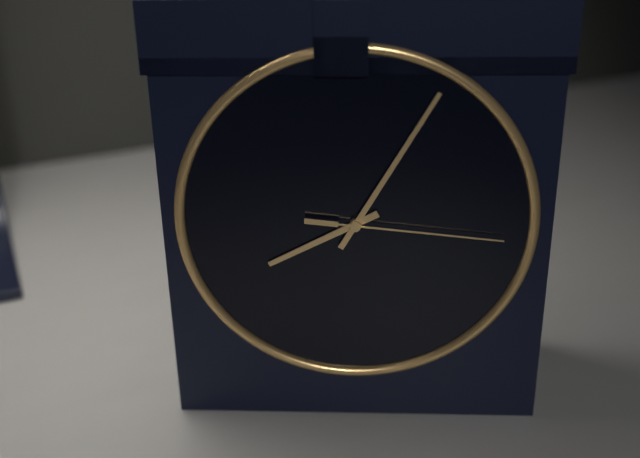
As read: 8:05:16
